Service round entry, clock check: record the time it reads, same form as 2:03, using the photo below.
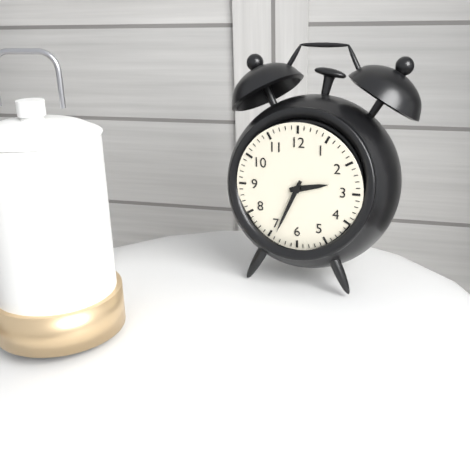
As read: 2:34
